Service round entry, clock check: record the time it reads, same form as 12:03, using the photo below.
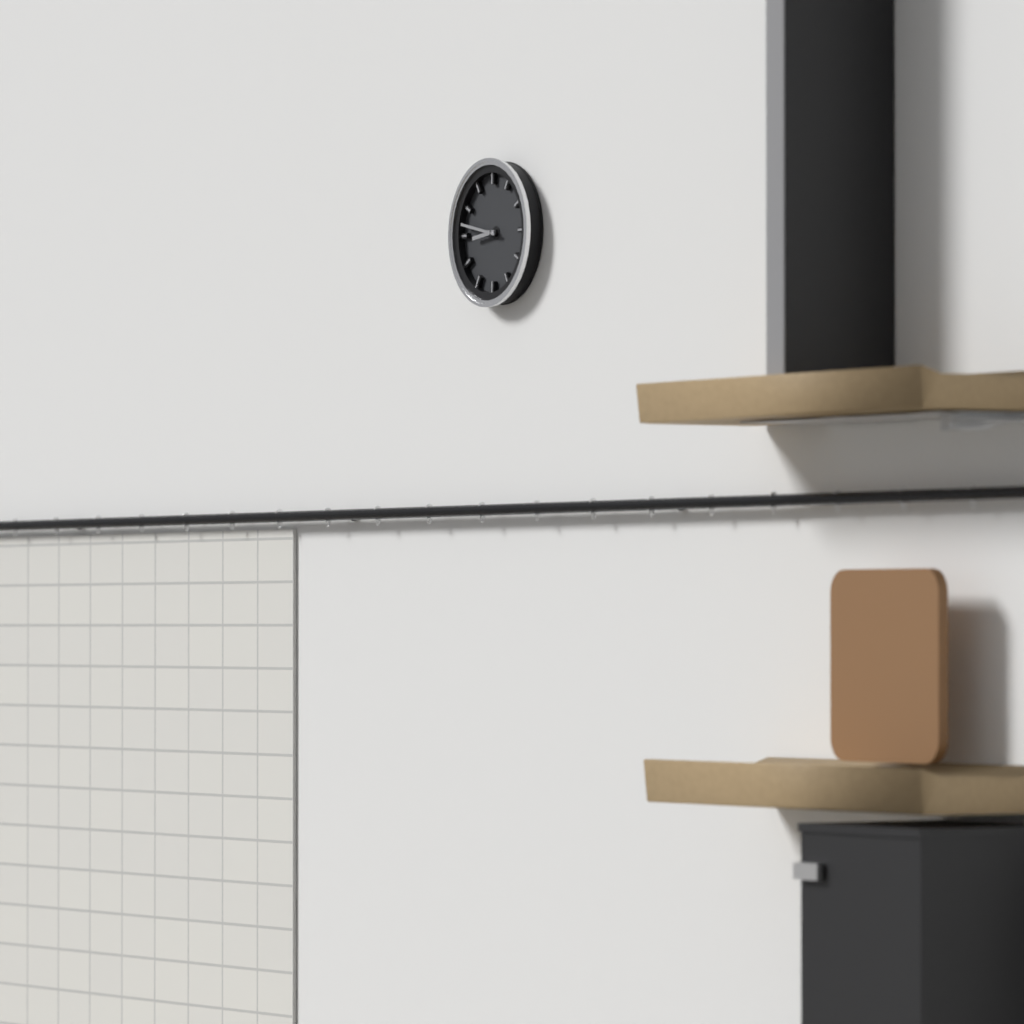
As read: 8:47
